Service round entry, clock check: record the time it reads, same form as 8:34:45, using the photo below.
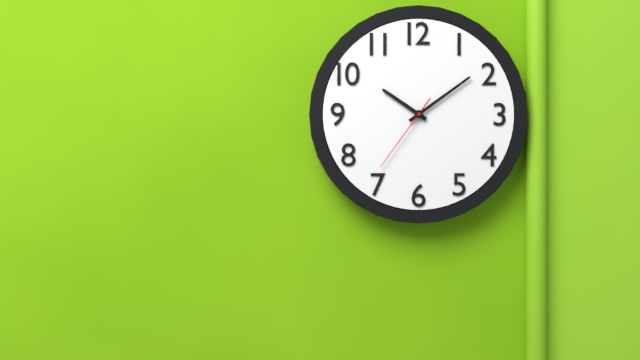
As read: 10:09:36
